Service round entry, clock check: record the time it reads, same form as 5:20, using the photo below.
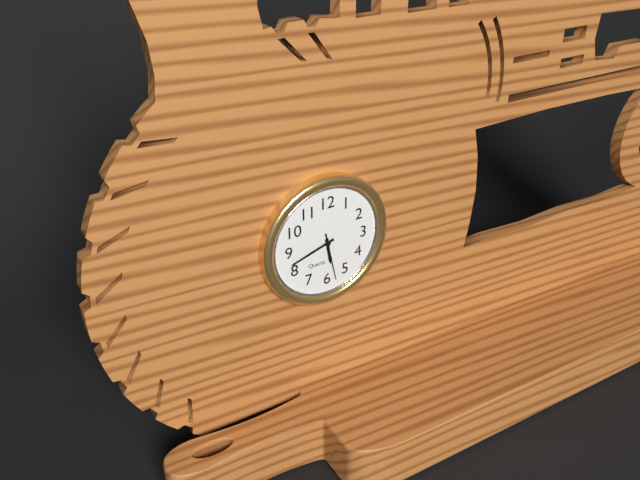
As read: 5:42
